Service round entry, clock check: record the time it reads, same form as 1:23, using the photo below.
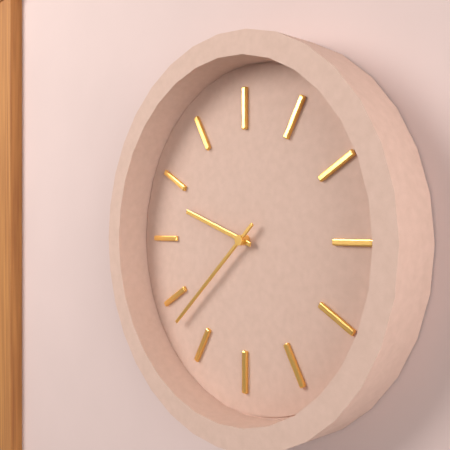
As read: 9:38
